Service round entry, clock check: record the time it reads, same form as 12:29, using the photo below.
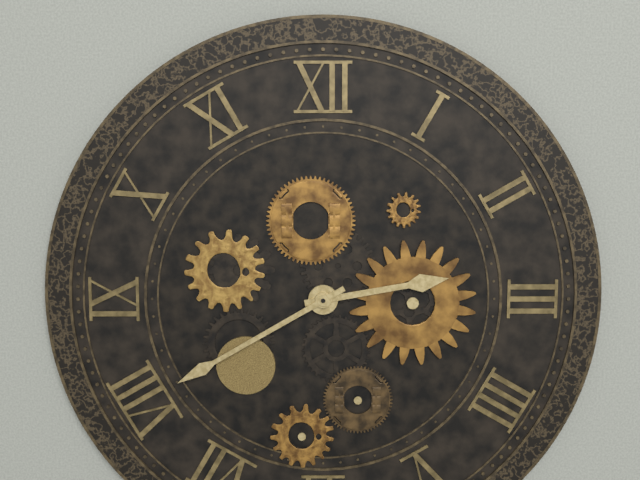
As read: 2:40
